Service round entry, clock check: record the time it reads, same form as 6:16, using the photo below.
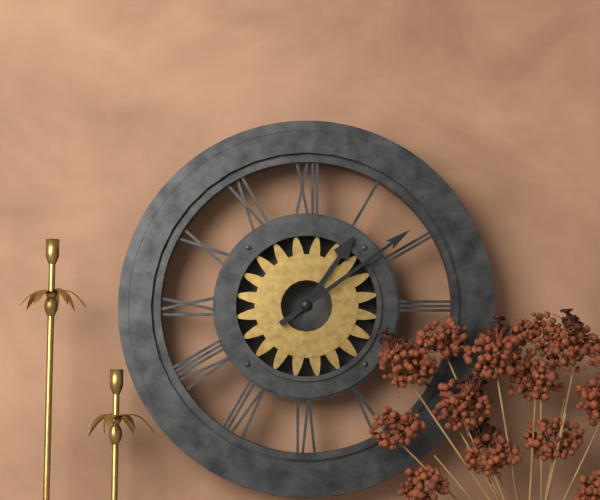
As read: 1:09
